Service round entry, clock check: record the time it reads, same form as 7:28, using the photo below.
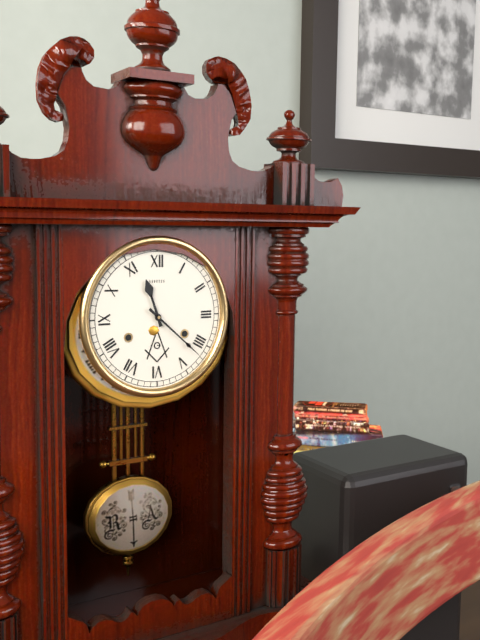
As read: 11:22
